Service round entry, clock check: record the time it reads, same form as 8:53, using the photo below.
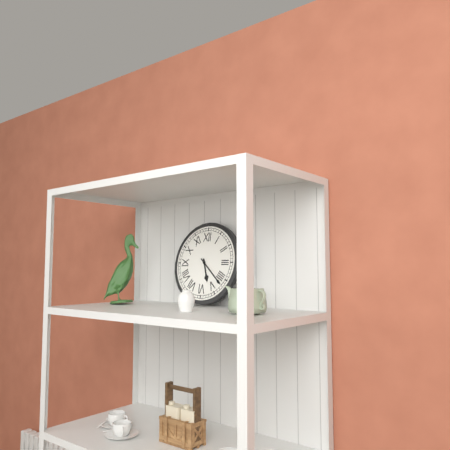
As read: 5:22
